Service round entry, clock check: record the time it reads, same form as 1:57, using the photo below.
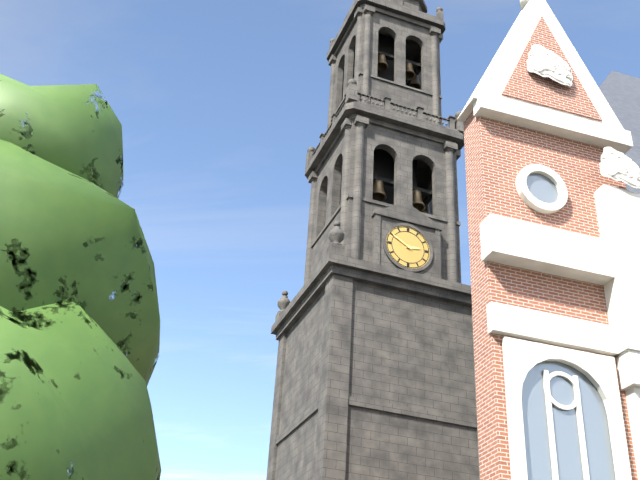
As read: 2:50
